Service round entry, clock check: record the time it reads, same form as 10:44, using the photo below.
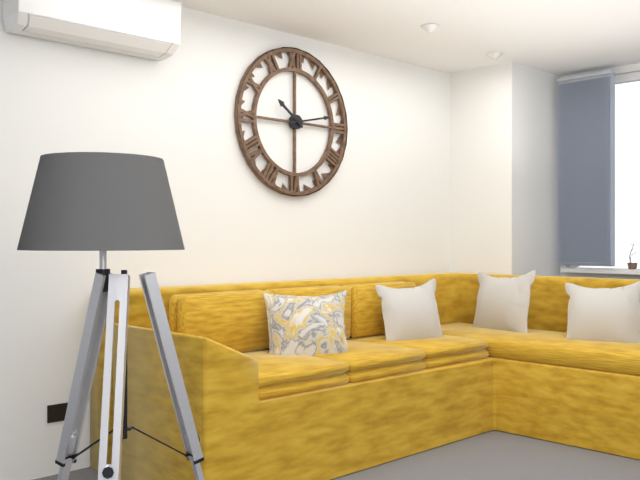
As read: 10:13
